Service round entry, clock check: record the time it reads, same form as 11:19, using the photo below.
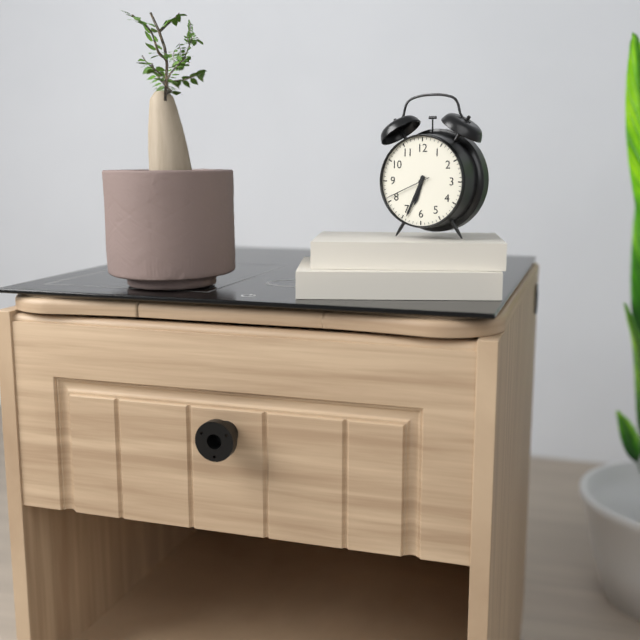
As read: 6:34
